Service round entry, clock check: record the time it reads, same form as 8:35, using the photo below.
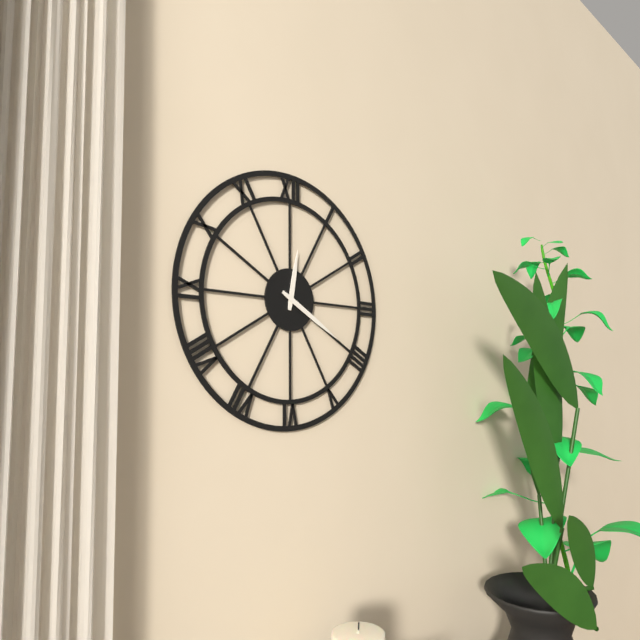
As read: 12:20
